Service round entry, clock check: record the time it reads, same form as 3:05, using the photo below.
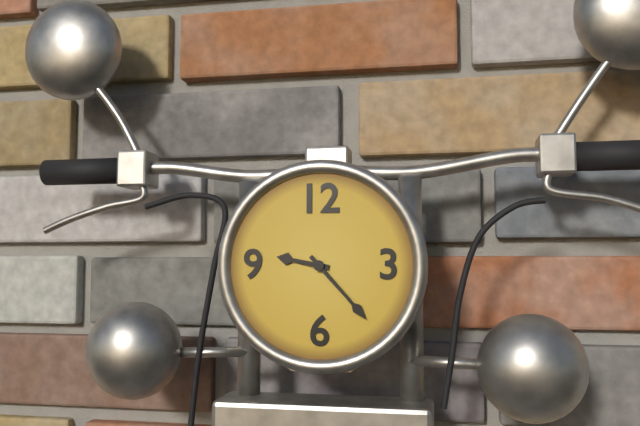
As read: 9:23
